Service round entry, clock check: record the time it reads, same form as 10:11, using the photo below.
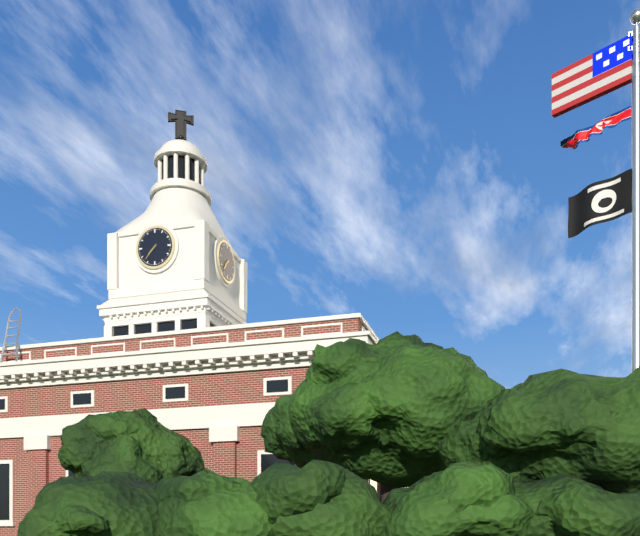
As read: 7:37
